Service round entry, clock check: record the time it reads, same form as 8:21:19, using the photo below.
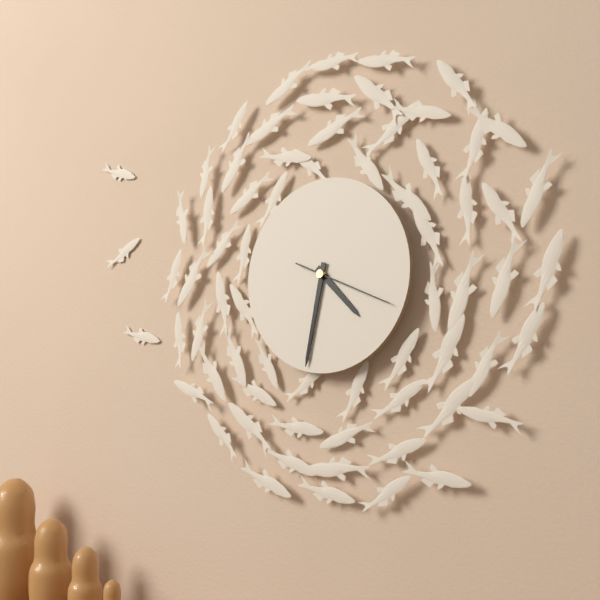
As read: 4:32:19
